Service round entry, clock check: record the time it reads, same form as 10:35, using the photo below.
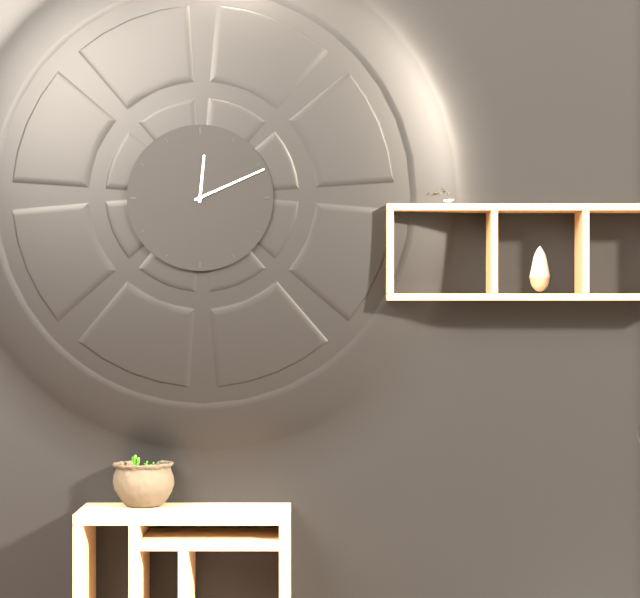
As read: 12:11
